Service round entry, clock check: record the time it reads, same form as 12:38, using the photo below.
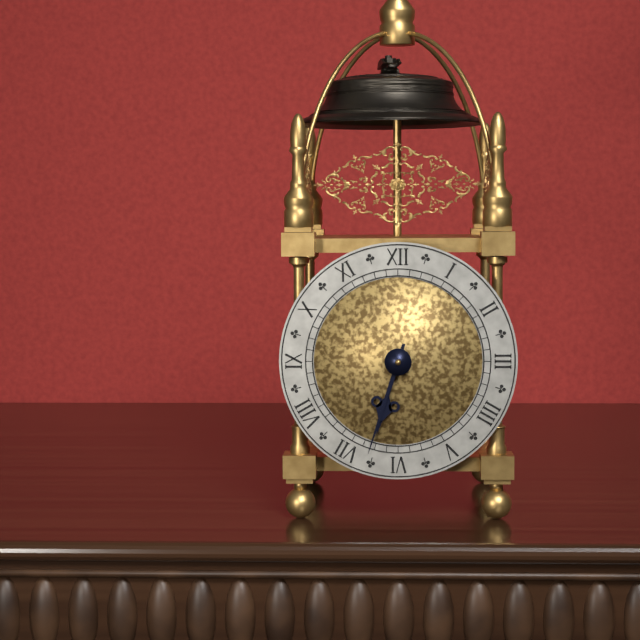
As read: 6:33
